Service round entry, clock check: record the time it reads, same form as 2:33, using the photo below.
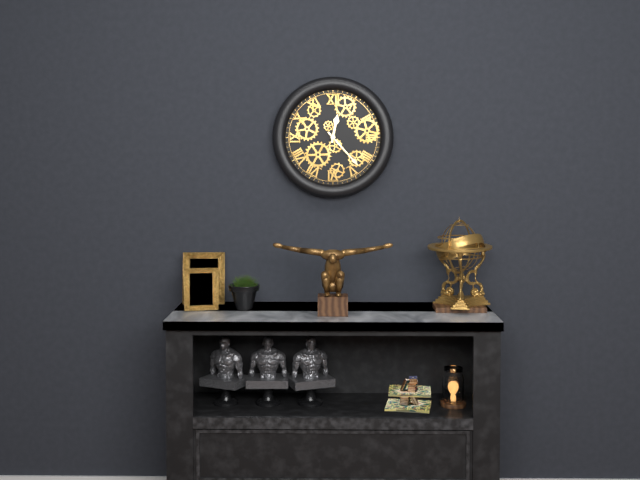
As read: 12:23
